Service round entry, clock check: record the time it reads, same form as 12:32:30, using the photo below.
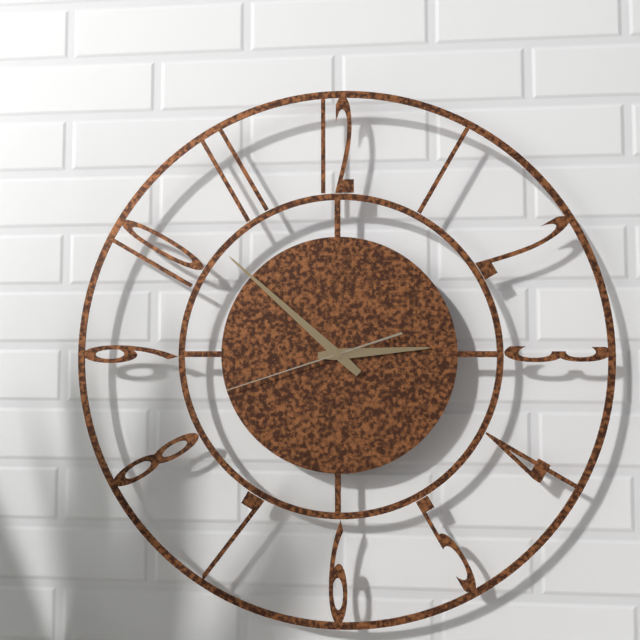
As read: 2:52:42
